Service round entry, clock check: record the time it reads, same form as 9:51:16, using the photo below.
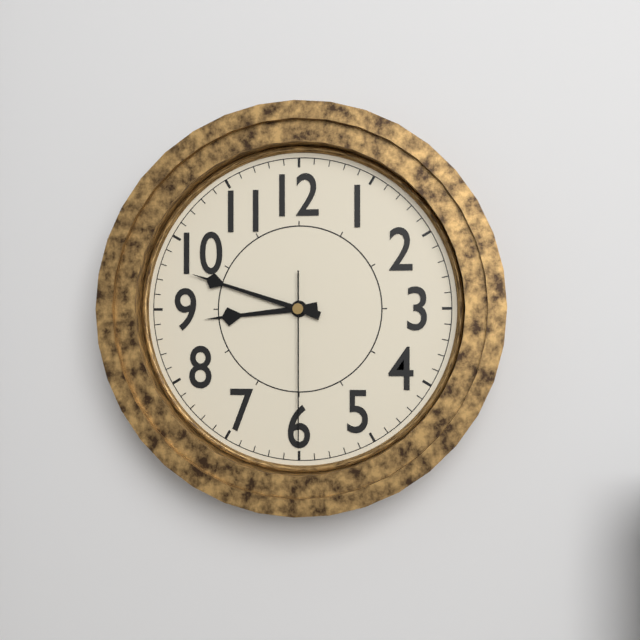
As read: 8:48:30
